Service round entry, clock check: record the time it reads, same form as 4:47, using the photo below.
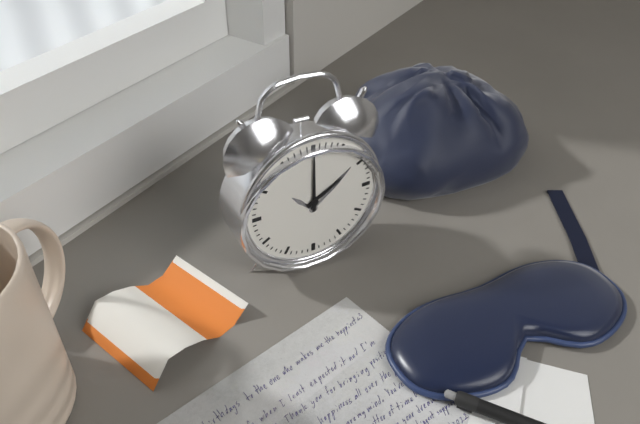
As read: 2:00
